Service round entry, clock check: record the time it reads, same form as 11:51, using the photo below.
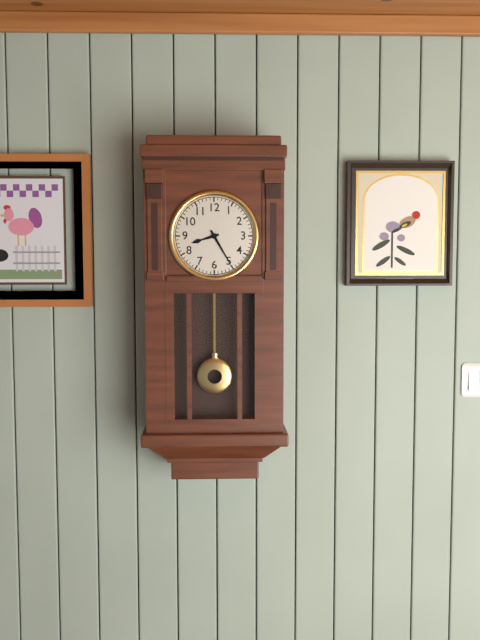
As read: 8:25
